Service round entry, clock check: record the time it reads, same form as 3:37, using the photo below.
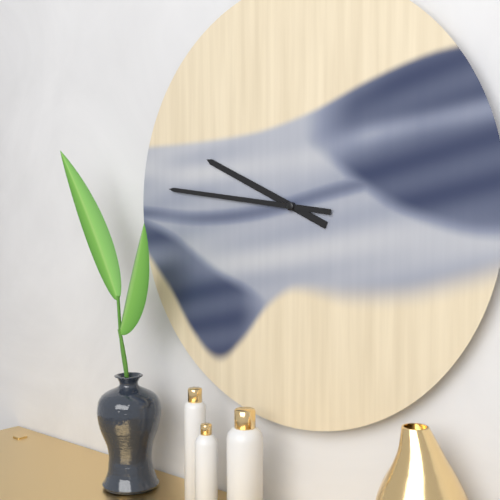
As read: 9:46
